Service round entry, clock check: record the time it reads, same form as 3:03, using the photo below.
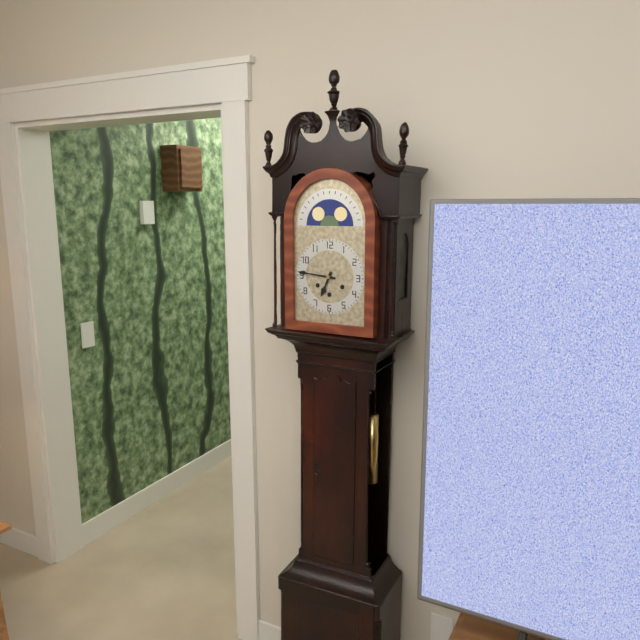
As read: 6:46
